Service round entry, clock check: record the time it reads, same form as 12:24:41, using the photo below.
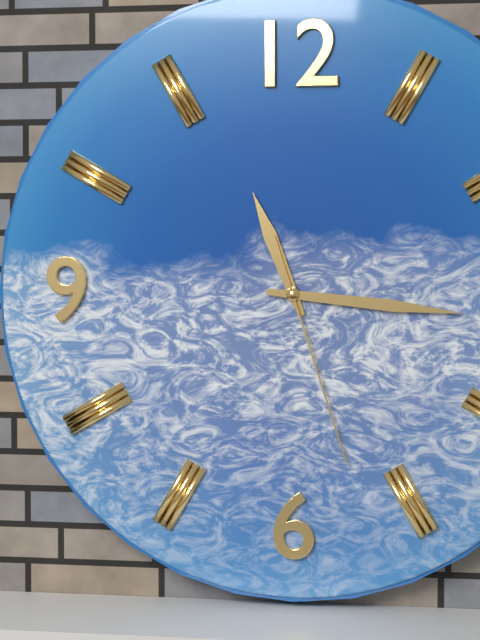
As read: 11:16:27
